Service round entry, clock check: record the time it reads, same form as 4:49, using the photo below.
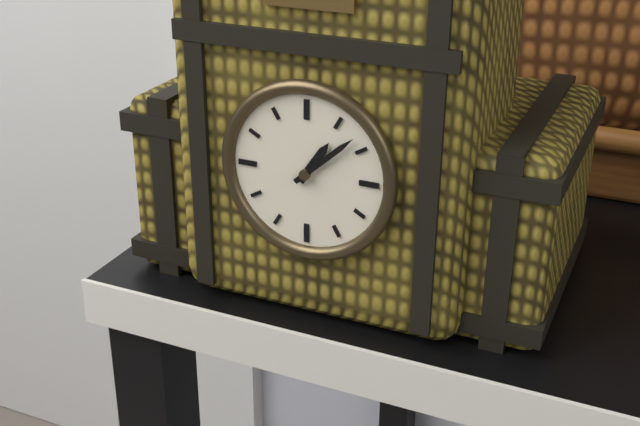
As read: 1:08
